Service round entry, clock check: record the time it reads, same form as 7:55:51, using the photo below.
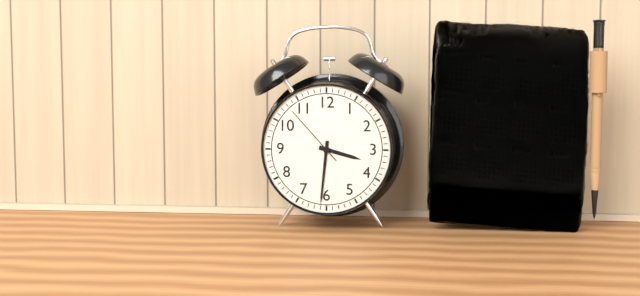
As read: 3:31:53
